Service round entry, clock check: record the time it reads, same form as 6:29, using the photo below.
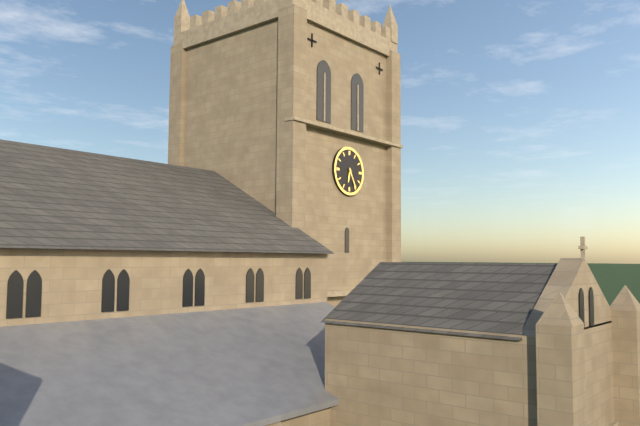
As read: 6:25
